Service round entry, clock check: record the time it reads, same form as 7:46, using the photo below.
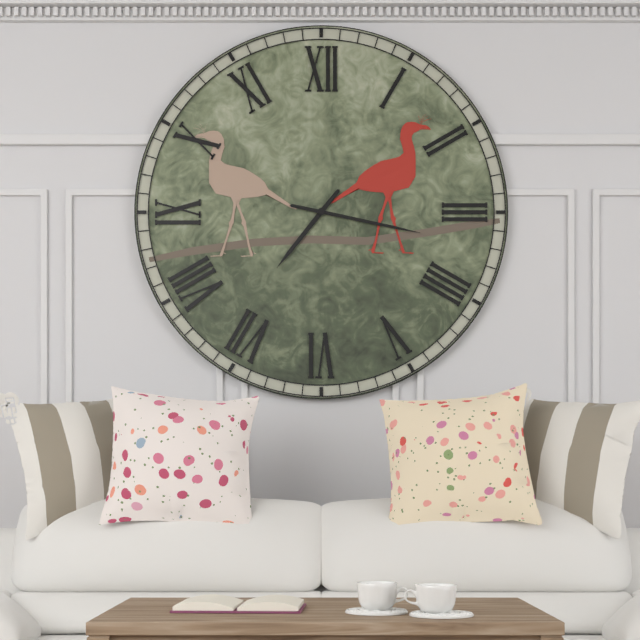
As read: 7:17
